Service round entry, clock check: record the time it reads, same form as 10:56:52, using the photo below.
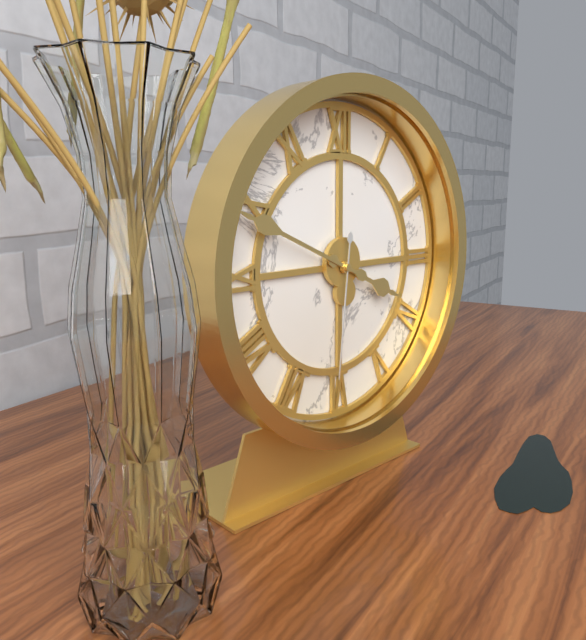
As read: 3:49:31
